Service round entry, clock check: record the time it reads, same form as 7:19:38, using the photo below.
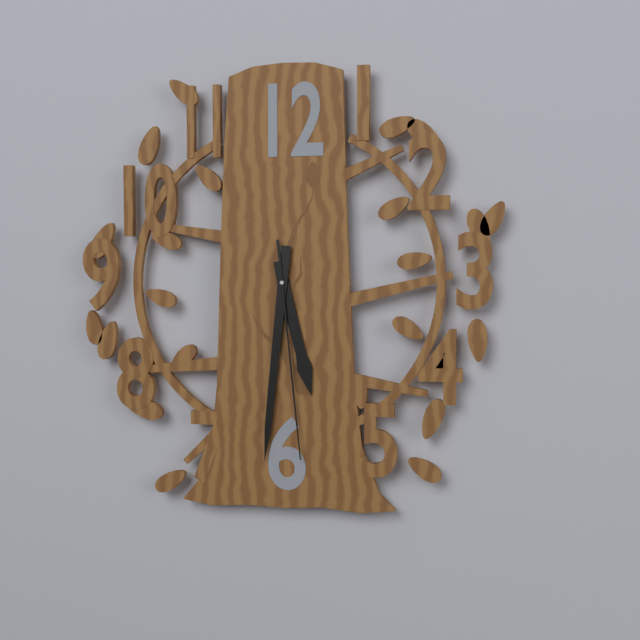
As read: 5:31:29
